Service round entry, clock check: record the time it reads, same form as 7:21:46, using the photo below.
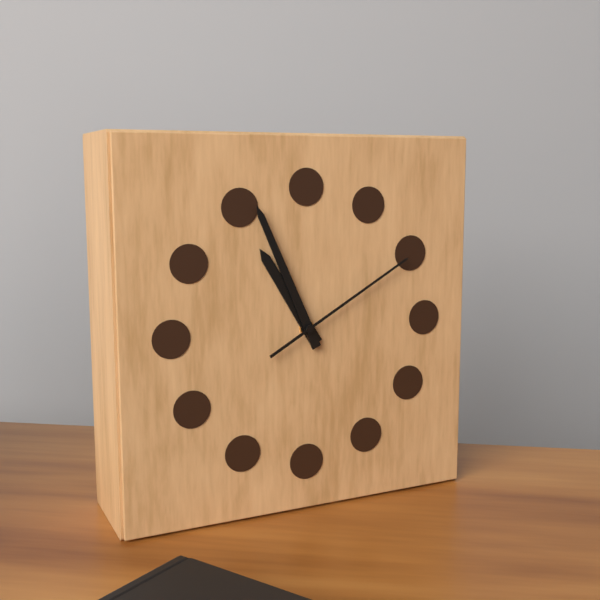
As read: 10:56:10
